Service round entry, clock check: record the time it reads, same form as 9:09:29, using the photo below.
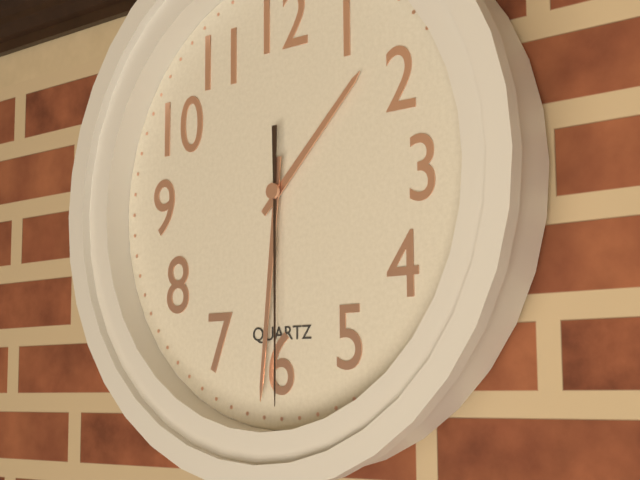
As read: 1:31:30
